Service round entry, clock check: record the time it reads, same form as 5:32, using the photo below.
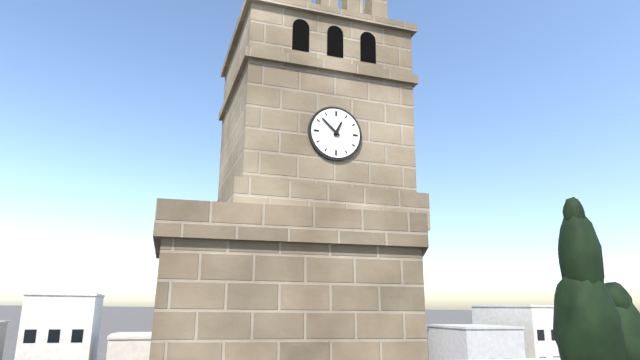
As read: 12:52
